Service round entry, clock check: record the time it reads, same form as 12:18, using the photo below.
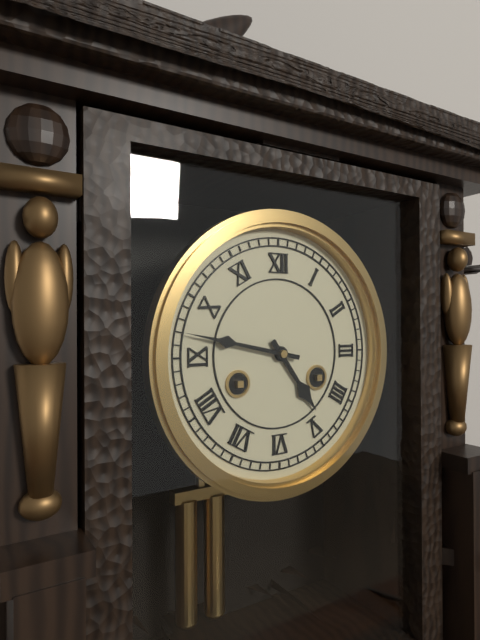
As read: 4:47
